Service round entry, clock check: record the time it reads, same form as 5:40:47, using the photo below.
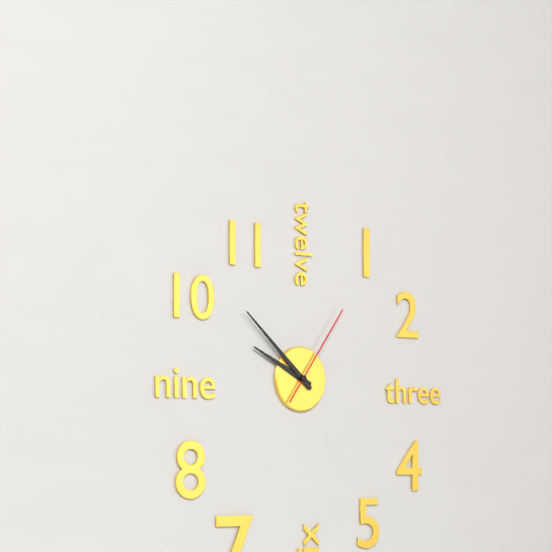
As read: 9:52:06
